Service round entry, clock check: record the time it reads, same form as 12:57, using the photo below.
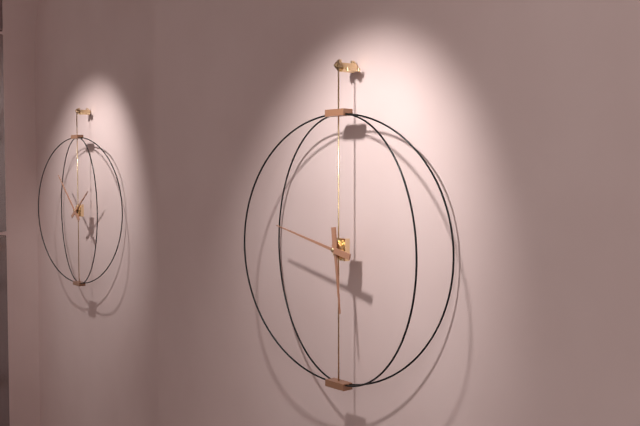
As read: 5:47
